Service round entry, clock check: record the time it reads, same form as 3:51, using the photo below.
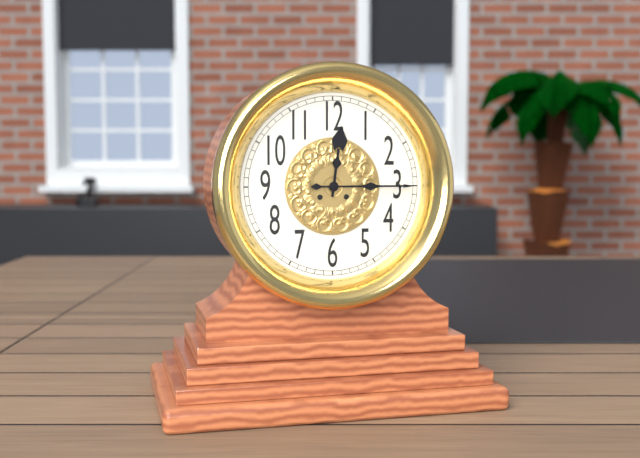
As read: 12:15
